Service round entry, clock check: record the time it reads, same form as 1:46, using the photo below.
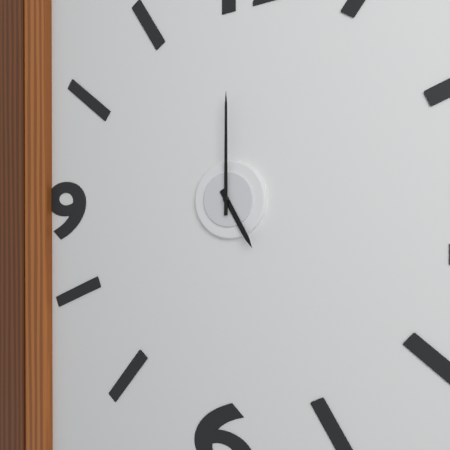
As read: 5:00
